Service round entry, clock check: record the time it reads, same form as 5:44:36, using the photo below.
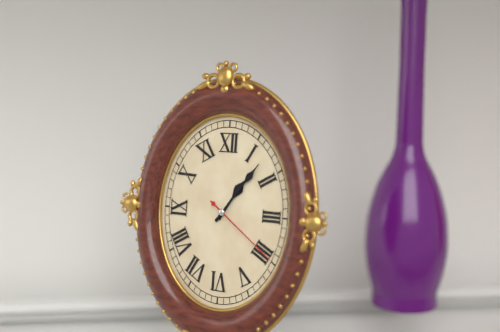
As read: 1:06:21
